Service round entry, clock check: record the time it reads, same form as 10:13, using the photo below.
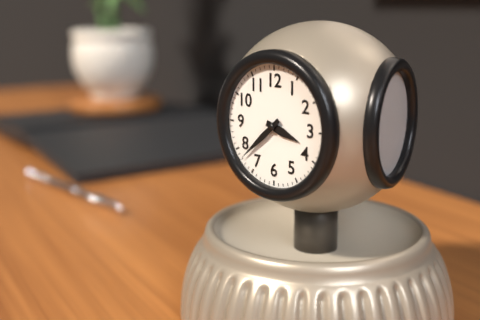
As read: 3:38
